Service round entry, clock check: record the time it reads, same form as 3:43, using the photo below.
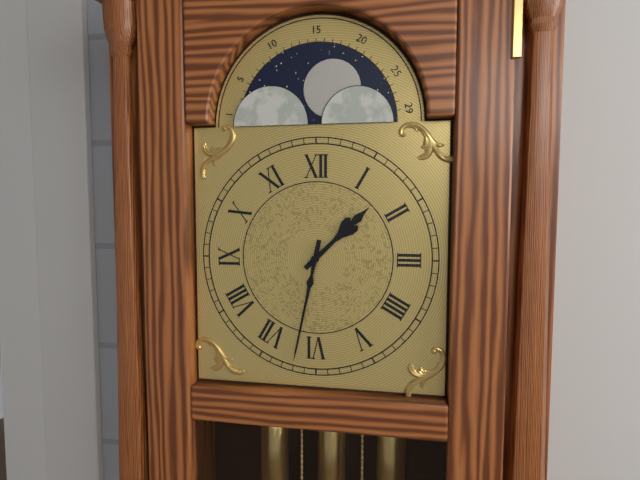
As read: 1:32
